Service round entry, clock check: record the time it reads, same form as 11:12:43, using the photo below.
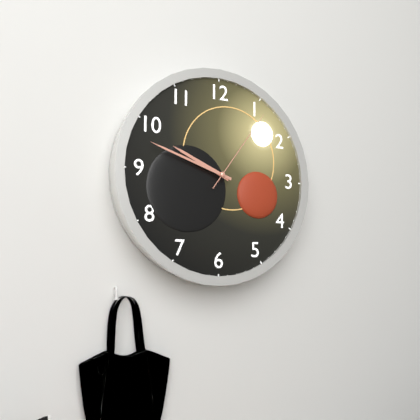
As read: 9:48:06
